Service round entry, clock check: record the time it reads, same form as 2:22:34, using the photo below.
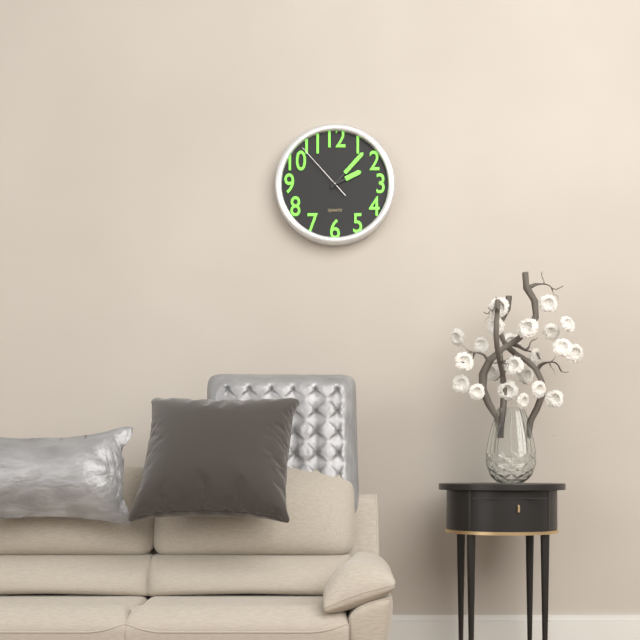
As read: 2:07:53
